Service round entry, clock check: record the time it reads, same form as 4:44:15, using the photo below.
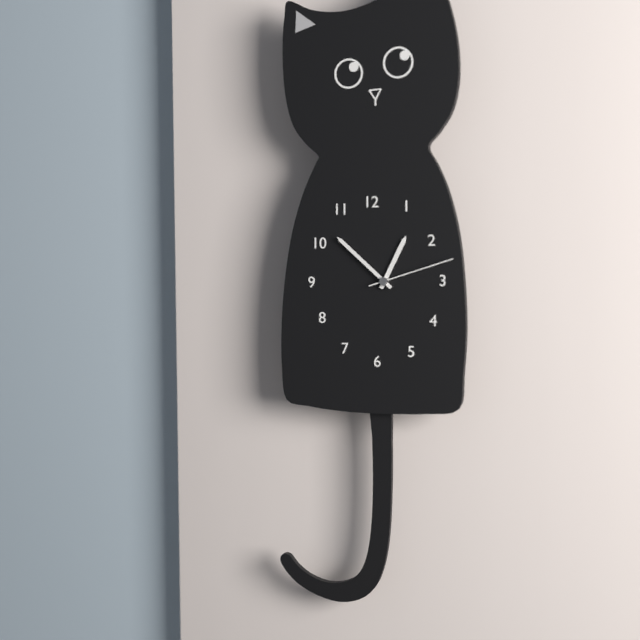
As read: 12:52:12
